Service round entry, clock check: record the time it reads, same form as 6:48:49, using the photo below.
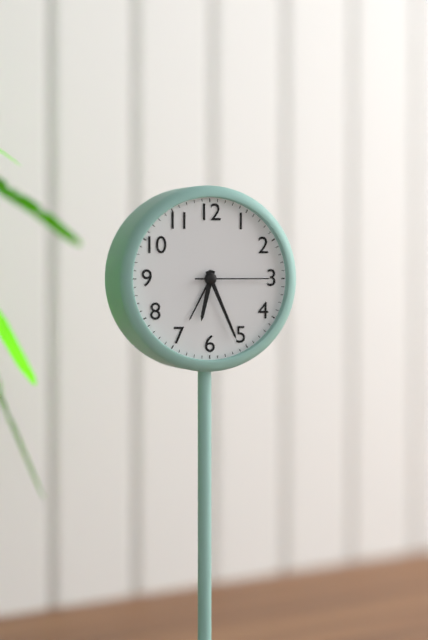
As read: 6:26:15
